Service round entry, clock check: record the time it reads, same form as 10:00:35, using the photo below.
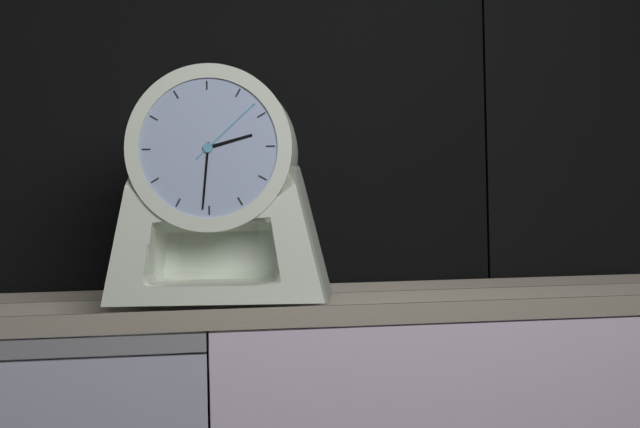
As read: 2:31:08
